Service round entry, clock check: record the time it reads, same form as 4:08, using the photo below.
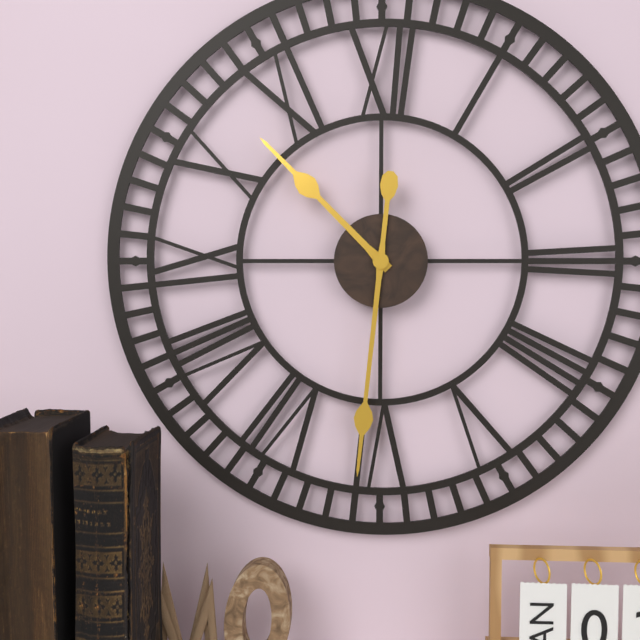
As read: 10:31
